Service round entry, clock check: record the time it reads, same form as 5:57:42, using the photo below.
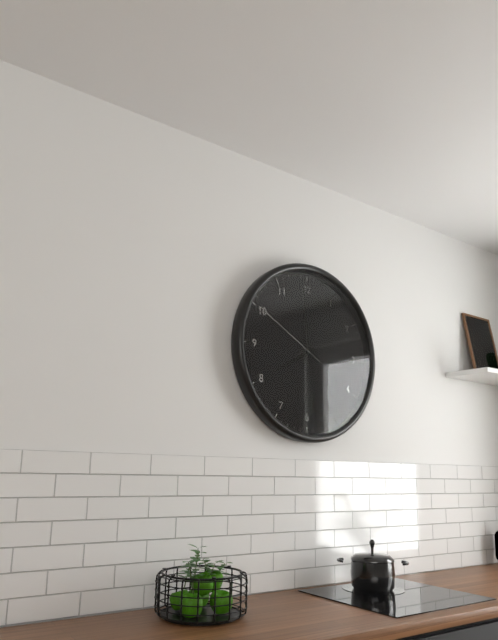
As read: 7:59:50
